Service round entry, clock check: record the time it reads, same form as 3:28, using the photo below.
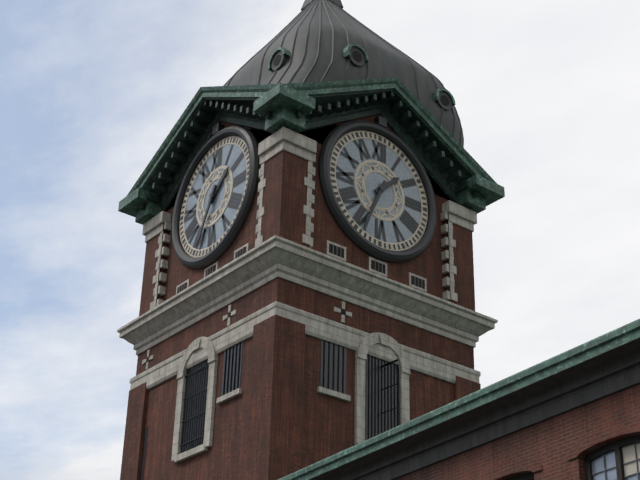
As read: 1:34
